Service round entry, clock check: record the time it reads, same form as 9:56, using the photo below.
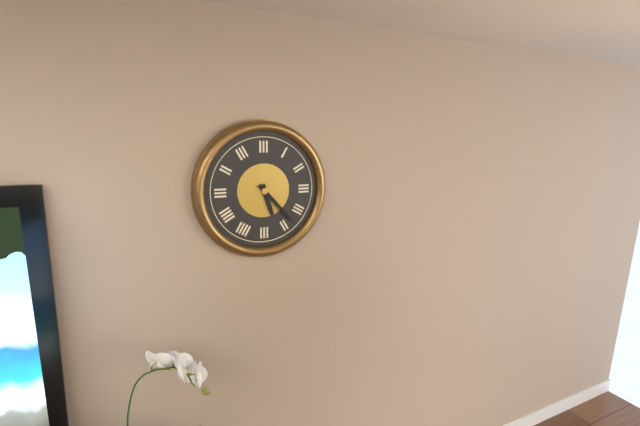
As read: 5:23
